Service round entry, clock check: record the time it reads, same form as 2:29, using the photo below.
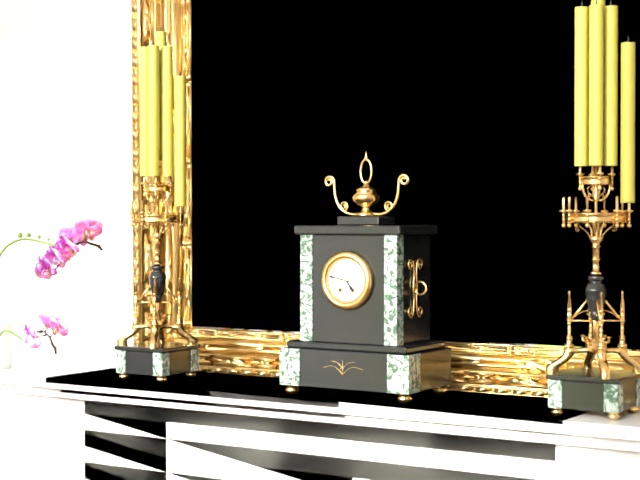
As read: 4:47
